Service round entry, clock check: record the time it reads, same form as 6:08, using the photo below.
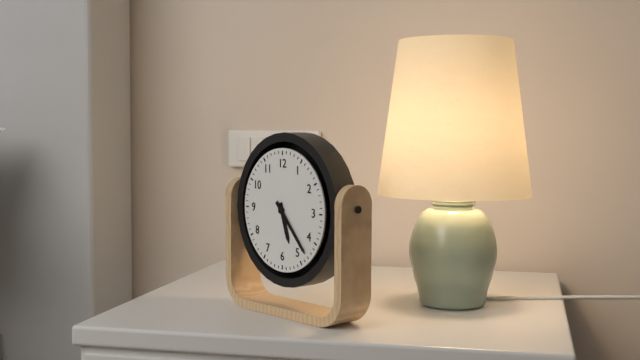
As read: 5:23
